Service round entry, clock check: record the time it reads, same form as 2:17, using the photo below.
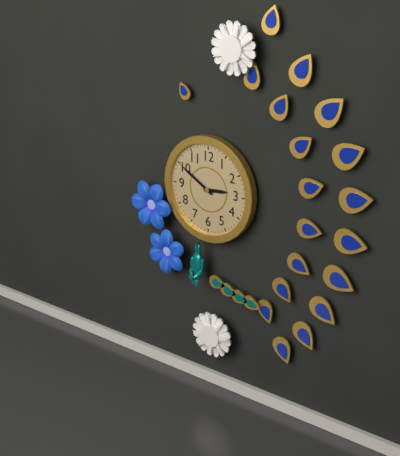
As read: 2:50
